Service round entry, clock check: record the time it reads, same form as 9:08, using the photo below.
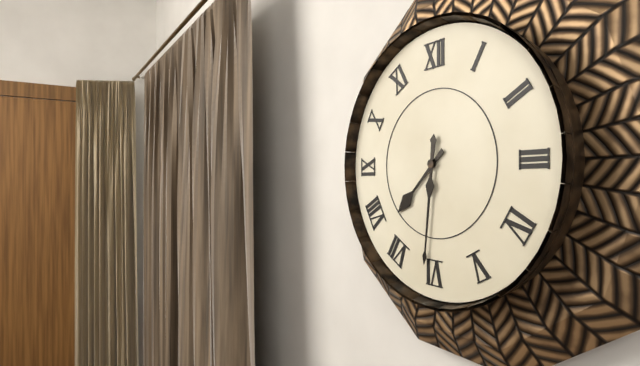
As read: 7:31
